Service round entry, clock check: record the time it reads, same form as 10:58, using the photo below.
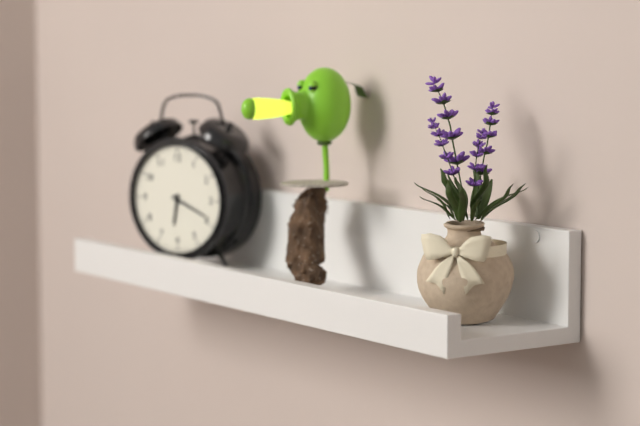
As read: 6:19
